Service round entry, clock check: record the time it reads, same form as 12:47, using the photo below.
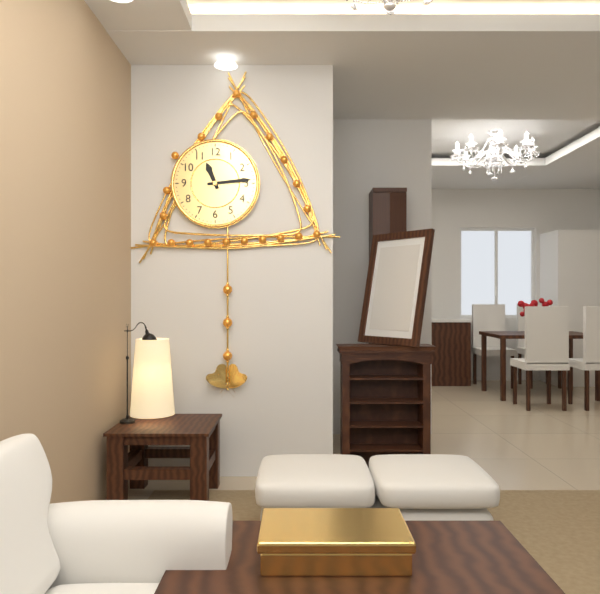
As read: 11:14
